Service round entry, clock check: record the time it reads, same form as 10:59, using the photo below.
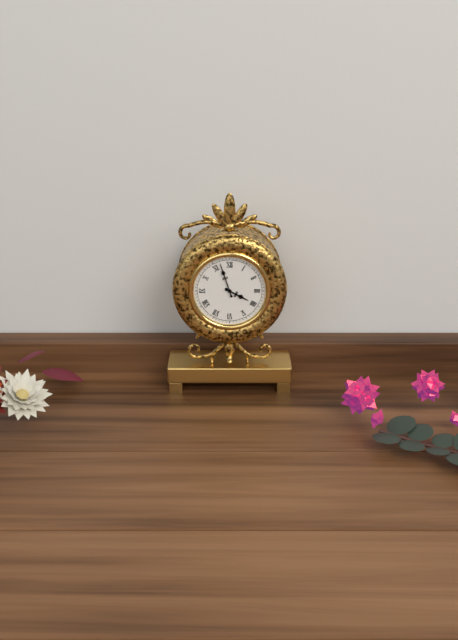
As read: 3:57
